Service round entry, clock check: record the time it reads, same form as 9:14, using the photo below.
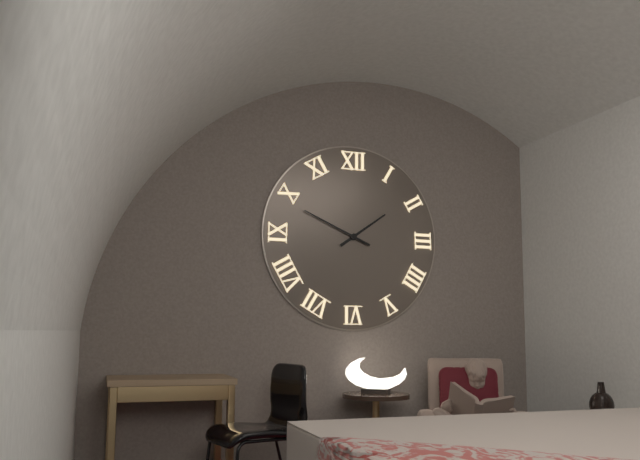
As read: 1:49
